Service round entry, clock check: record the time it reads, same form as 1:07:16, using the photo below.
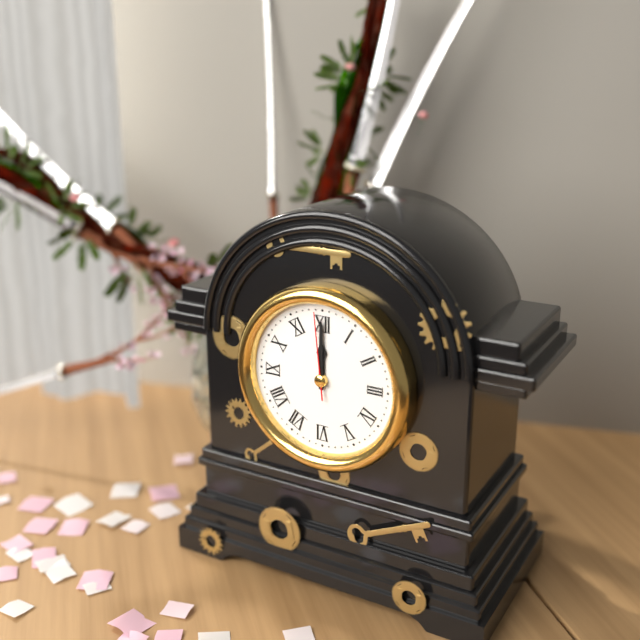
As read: 12:00:59
